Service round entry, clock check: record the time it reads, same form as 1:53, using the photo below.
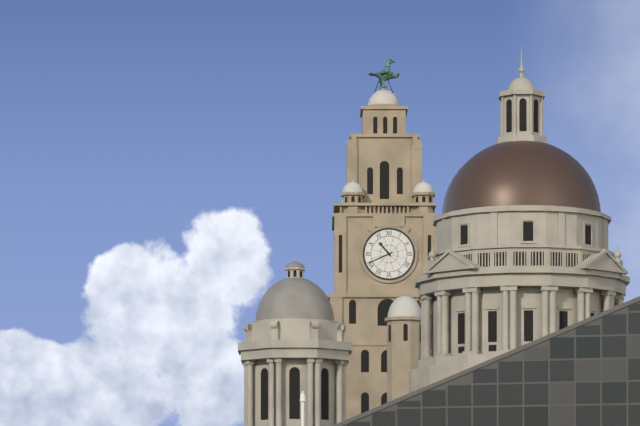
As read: 10:41
